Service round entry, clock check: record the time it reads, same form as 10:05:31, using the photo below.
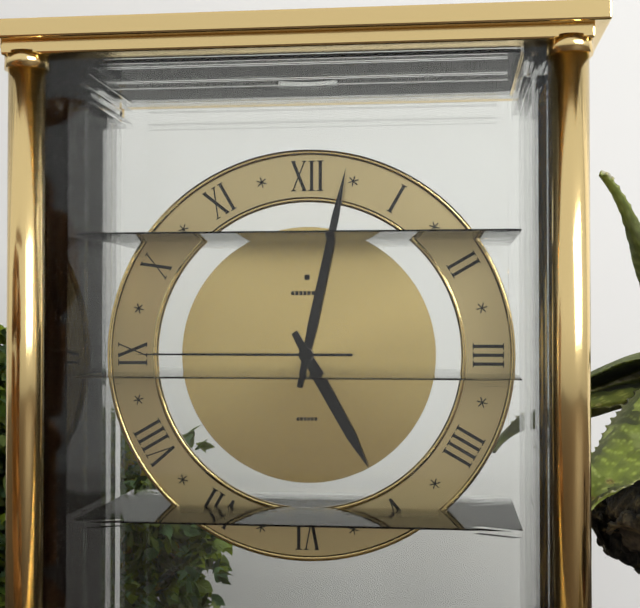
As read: 5:02:45
